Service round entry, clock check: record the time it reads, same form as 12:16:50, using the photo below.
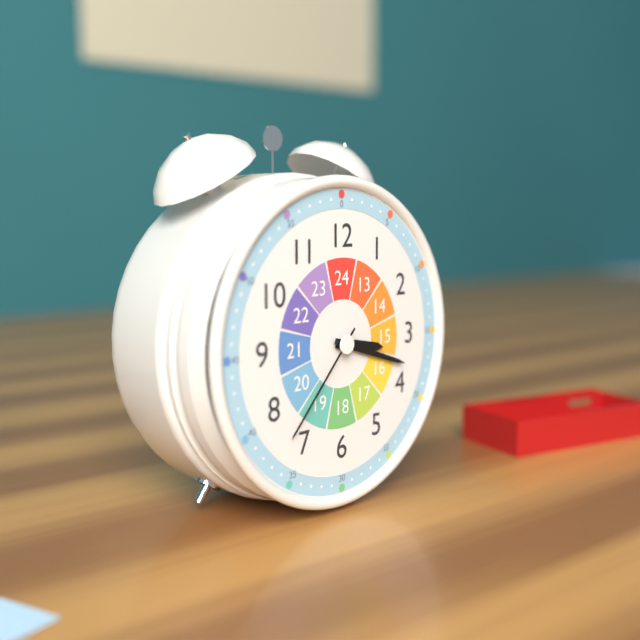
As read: 3:18:37
